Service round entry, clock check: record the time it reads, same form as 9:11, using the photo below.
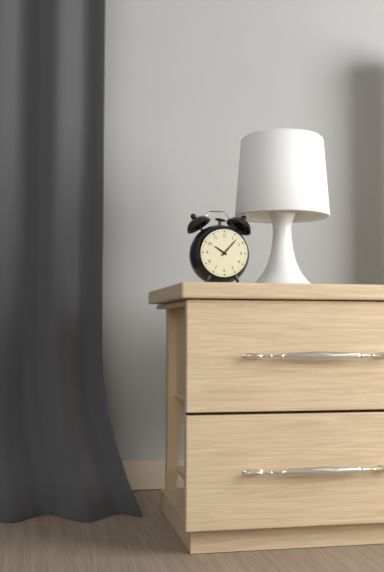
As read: 10:07
